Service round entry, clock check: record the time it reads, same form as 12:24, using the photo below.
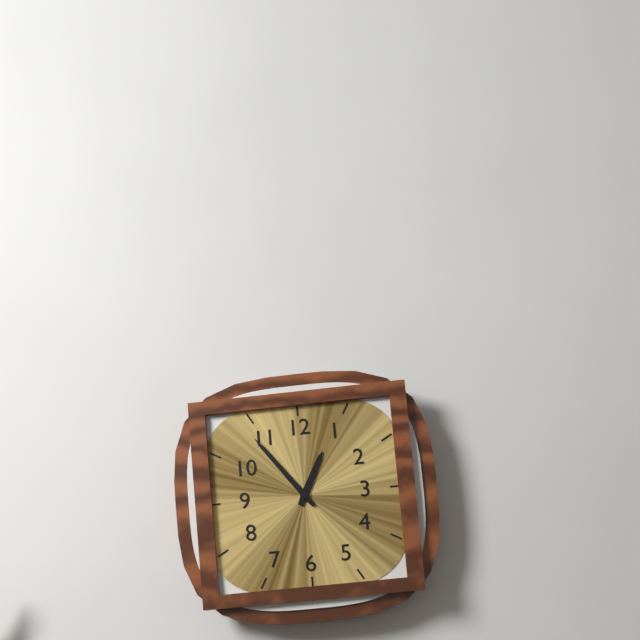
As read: 12:54
